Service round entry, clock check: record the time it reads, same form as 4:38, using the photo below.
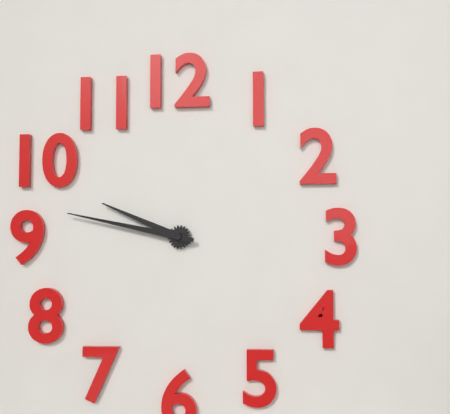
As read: 9:47
